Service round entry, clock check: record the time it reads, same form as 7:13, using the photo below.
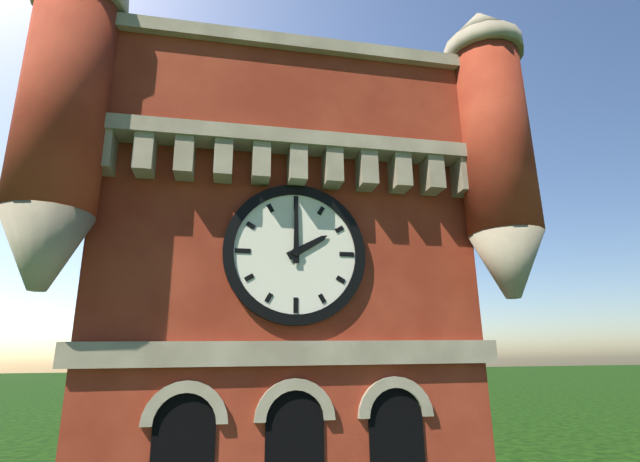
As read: 2:00
